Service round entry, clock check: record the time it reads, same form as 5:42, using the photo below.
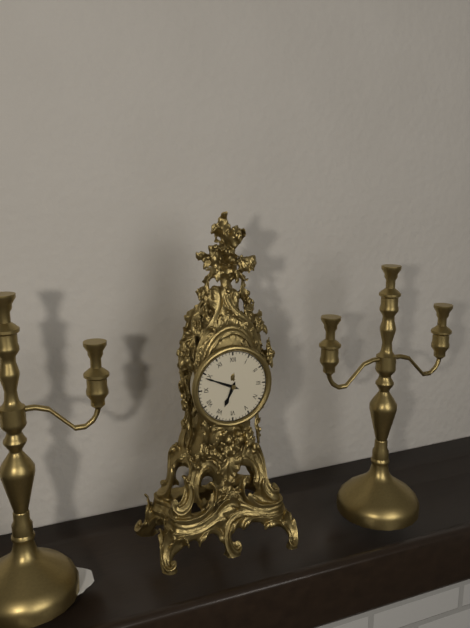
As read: 6:49
